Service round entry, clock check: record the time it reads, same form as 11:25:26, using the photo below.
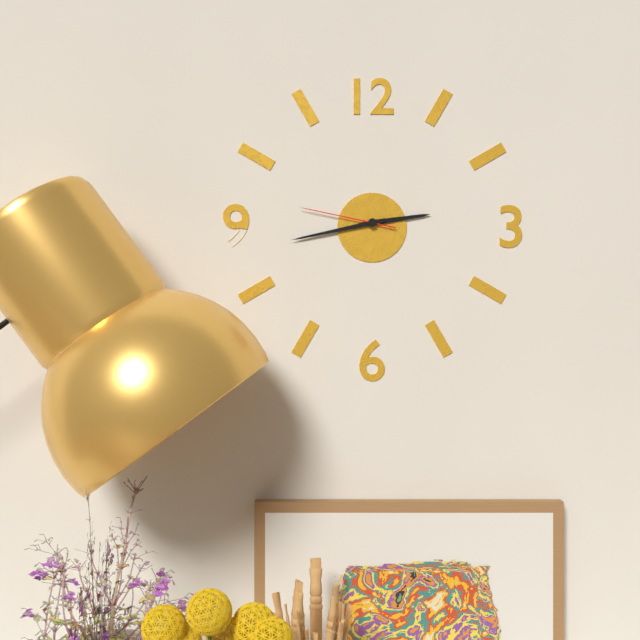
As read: 2:43:47
